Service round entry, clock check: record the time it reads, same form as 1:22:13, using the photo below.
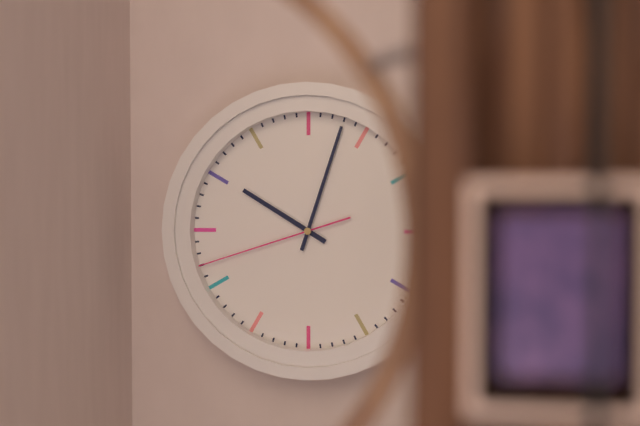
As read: 10:03:42
